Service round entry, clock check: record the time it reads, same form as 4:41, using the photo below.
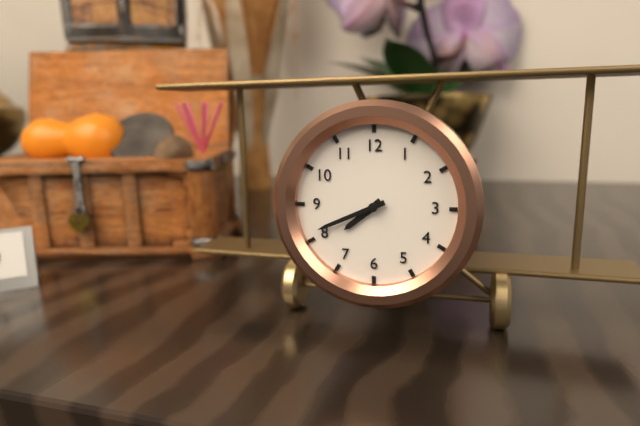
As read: 7:41
